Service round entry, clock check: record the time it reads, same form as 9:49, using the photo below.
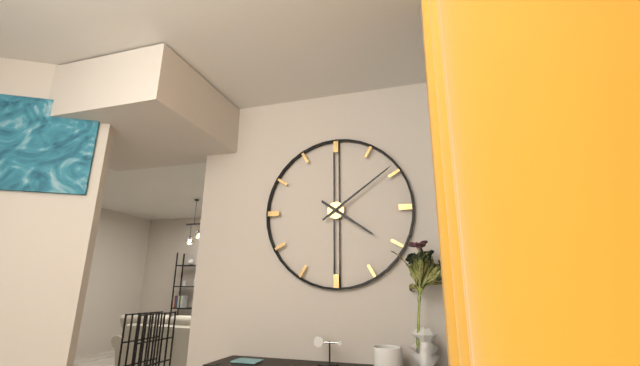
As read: 4:09
